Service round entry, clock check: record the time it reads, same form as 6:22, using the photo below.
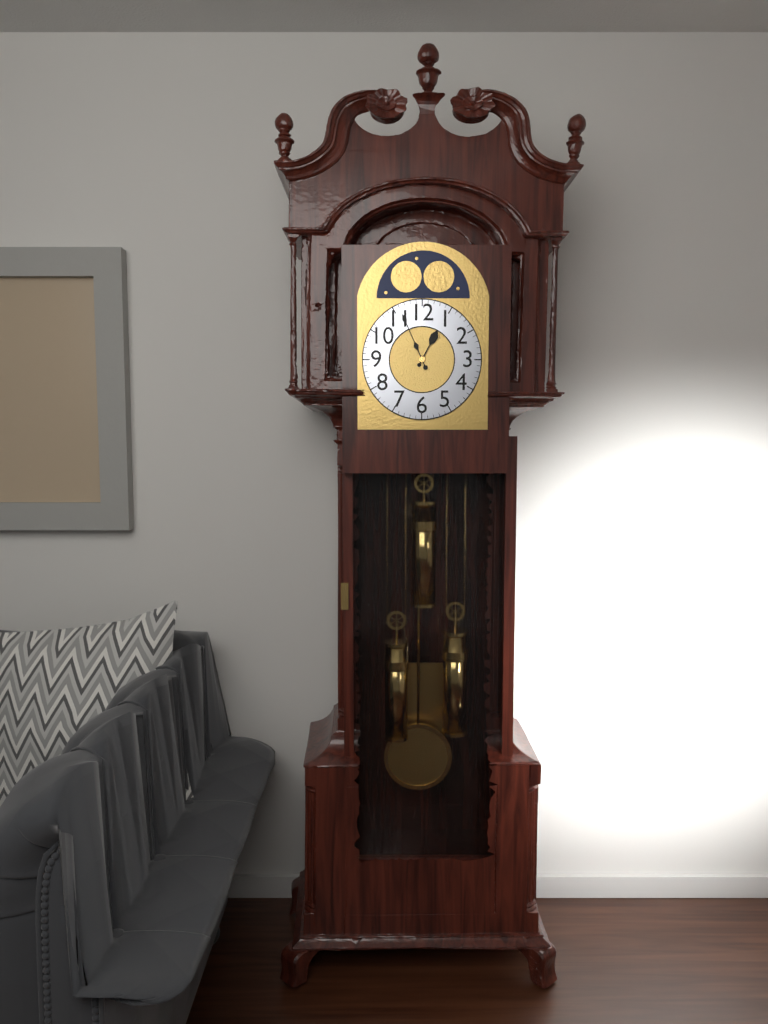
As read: 12:56
